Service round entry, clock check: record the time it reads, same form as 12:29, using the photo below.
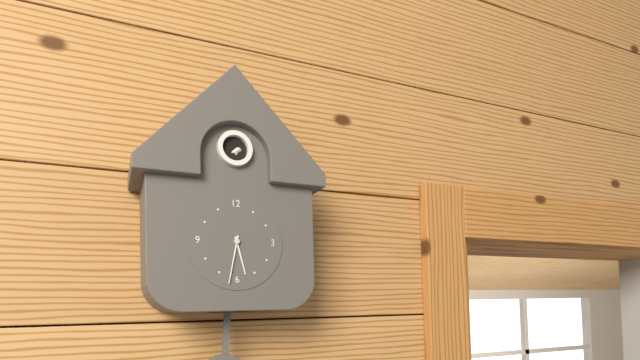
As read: 5:32
